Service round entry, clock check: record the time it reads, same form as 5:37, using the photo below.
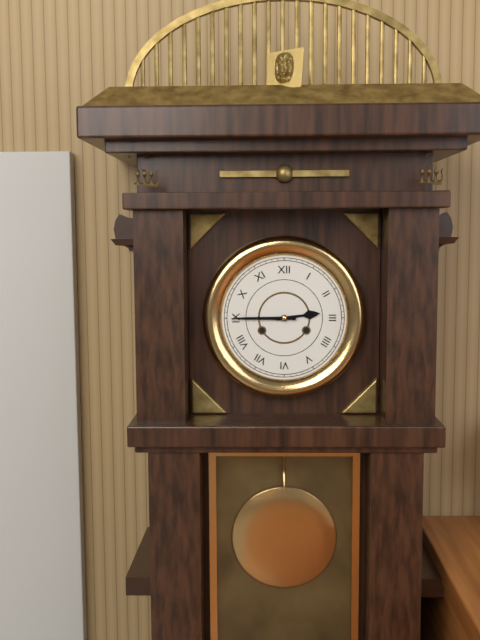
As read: 2:45
